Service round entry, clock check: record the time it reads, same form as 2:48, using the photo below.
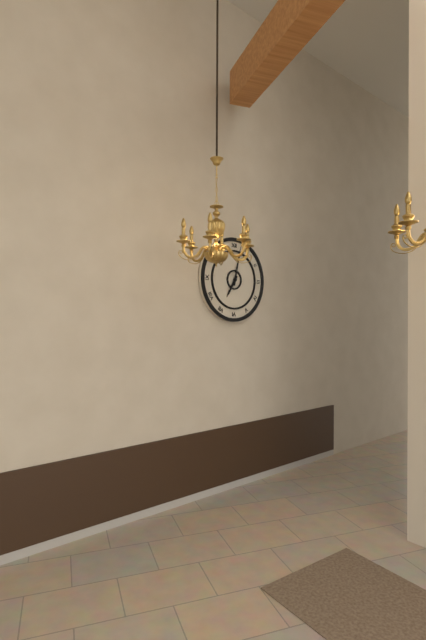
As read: 7:02
